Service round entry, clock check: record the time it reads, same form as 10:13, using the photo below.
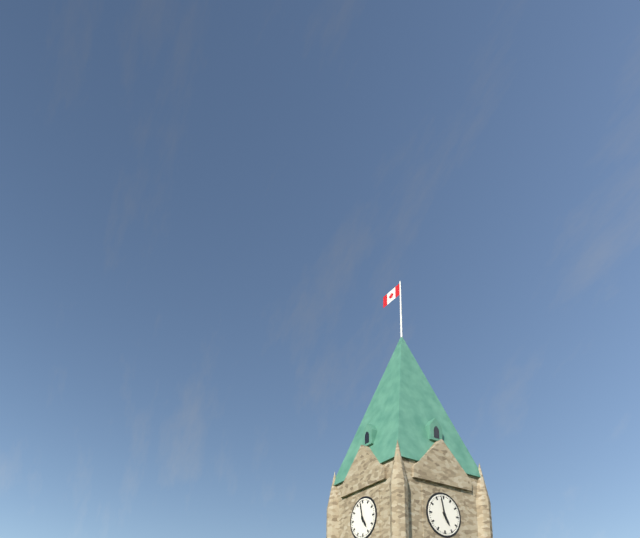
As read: 4:58
